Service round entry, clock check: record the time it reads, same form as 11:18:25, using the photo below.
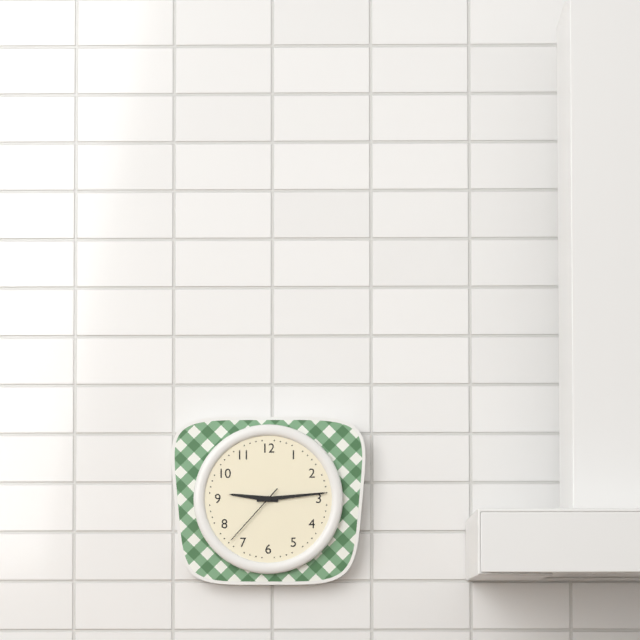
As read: 9:14:37
